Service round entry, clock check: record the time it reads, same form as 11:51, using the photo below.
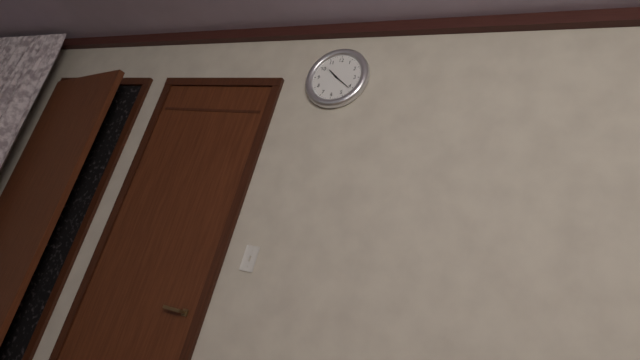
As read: 10:21
